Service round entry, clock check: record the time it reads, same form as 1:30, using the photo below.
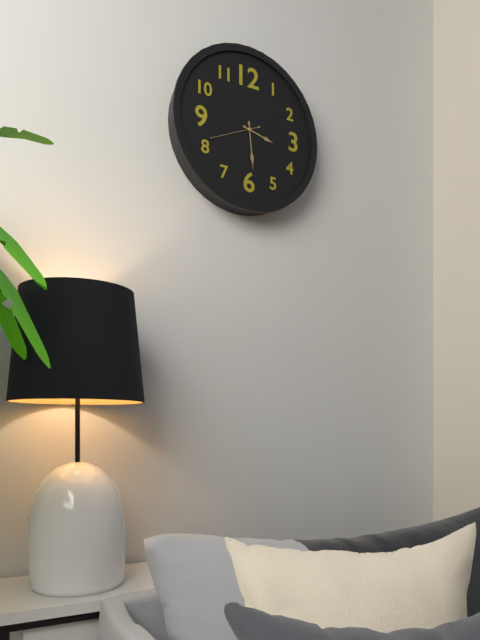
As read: 3:29
